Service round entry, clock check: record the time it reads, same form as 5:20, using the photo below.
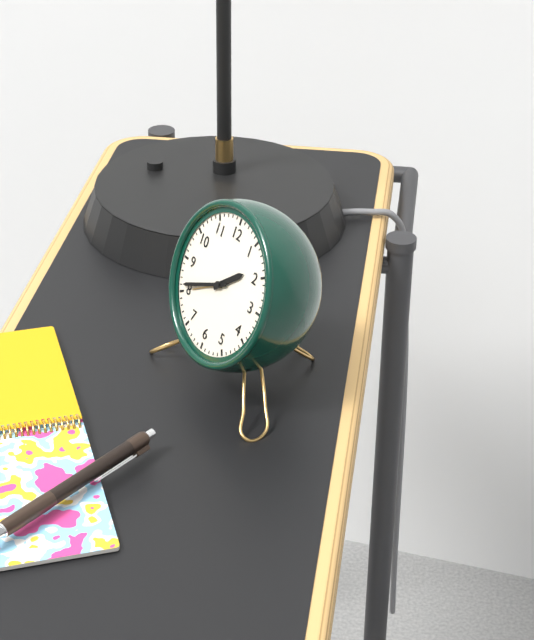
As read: 1:41
